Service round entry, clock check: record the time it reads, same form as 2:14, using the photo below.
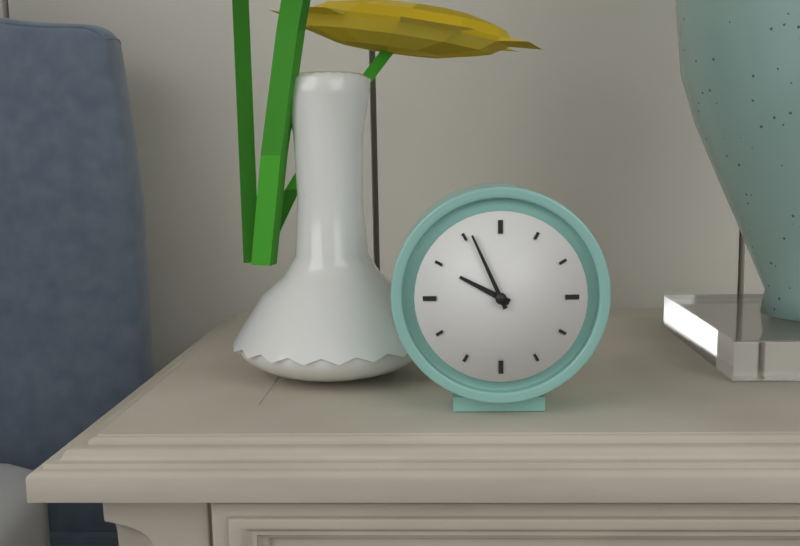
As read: 9:56
